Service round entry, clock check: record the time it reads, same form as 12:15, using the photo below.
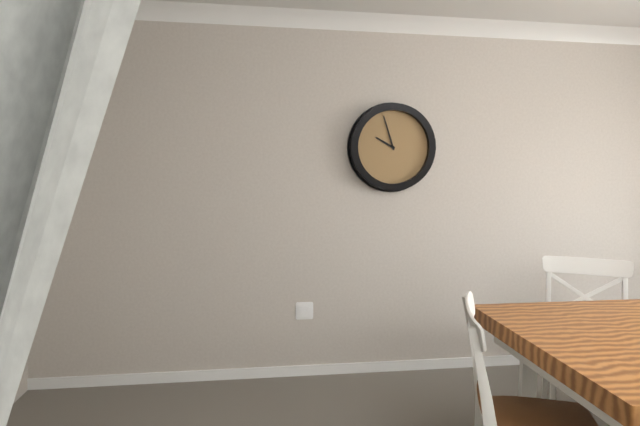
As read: 9:57
